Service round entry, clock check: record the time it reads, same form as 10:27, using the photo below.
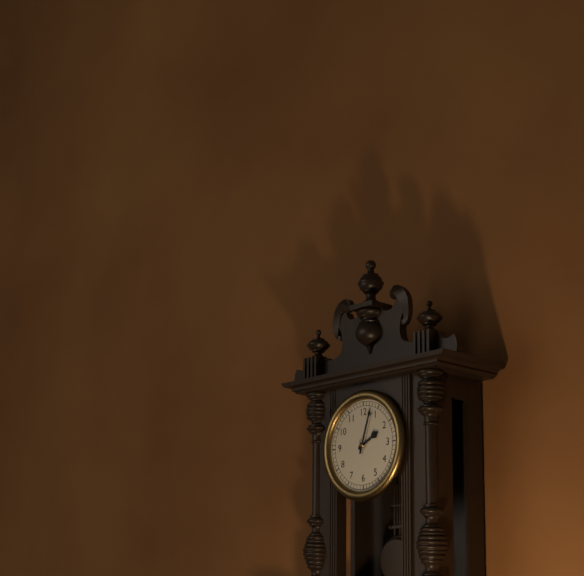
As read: 2:03
